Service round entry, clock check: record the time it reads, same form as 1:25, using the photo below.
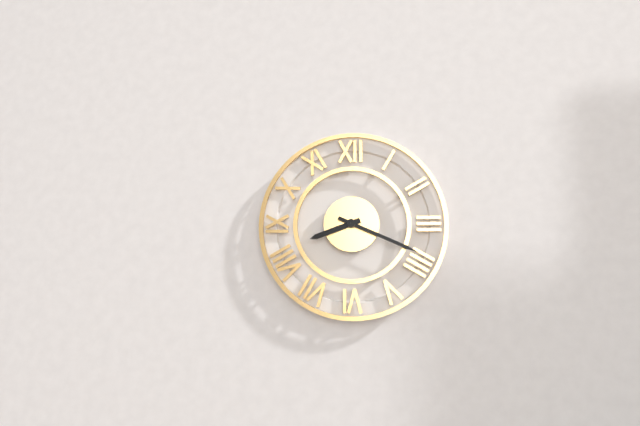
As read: 8:19
